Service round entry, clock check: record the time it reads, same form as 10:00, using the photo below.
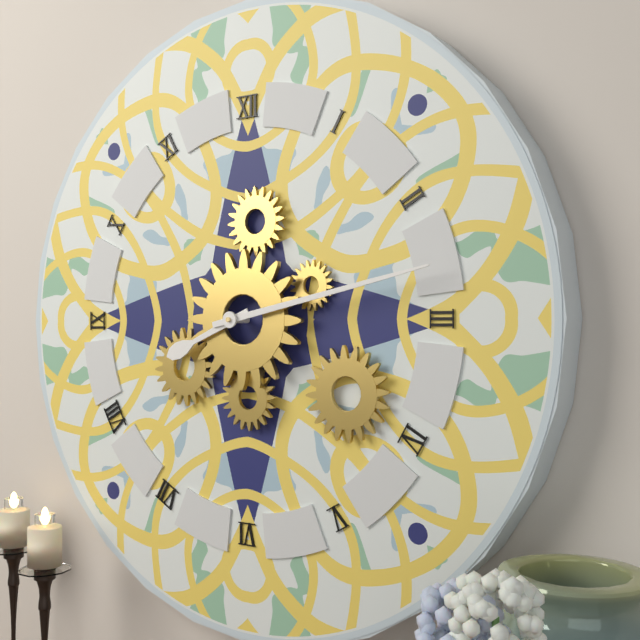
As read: 8:13
